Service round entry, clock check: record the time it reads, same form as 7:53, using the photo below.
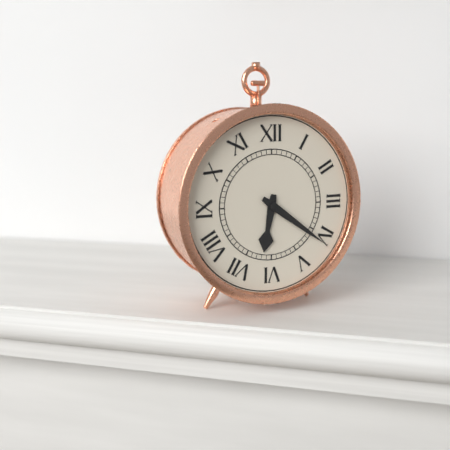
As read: 6:21
